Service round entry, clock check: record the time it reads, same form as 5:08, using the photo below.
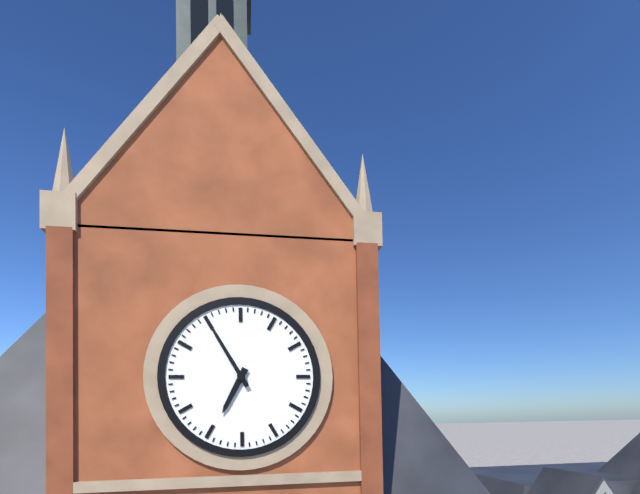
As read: 6:55
